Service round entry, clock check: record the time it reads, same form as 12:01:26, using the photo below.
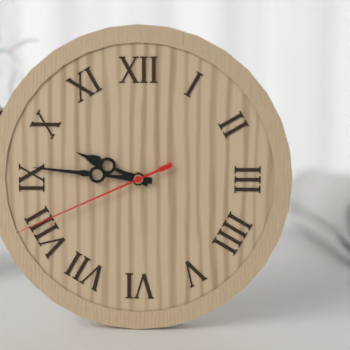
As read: 9:46:41
